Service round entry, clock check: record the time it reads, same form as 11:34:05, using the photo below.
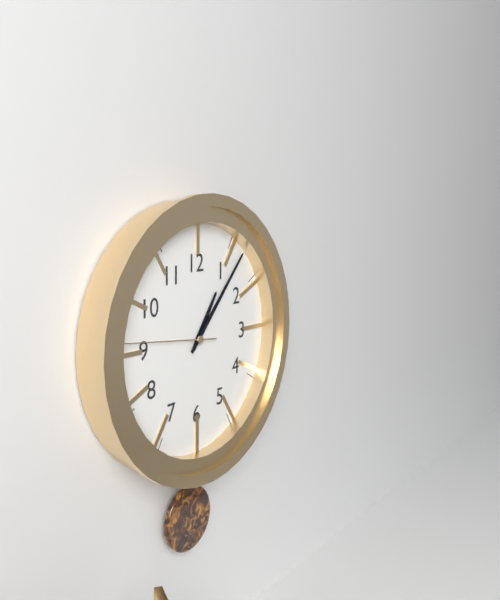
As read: 1:07:46
